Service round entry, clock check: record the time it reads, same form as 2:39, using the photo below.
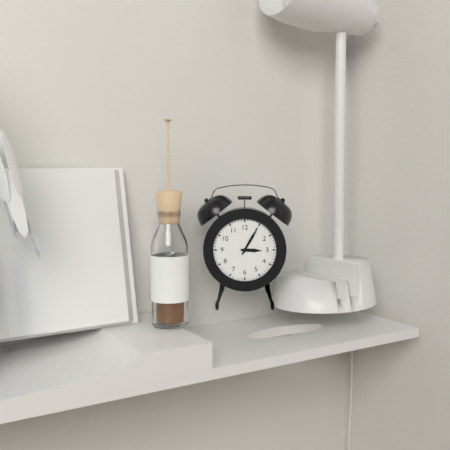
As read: 3:05
